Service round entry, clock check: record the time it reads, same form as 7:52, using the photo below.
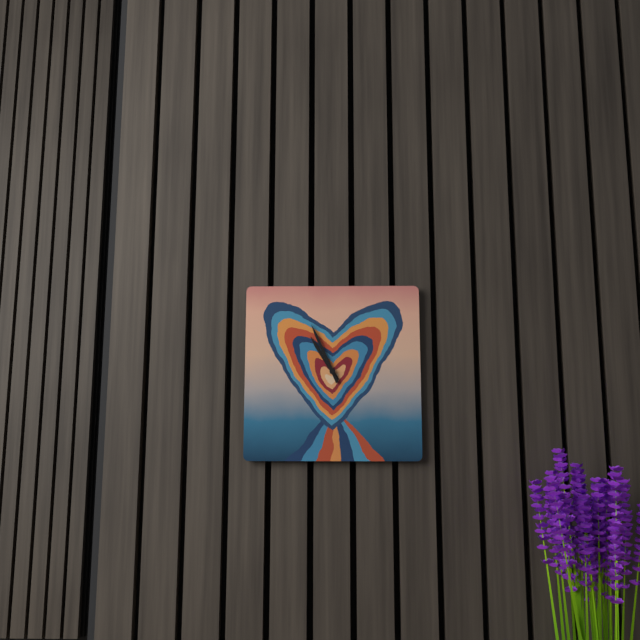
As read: 10:56
